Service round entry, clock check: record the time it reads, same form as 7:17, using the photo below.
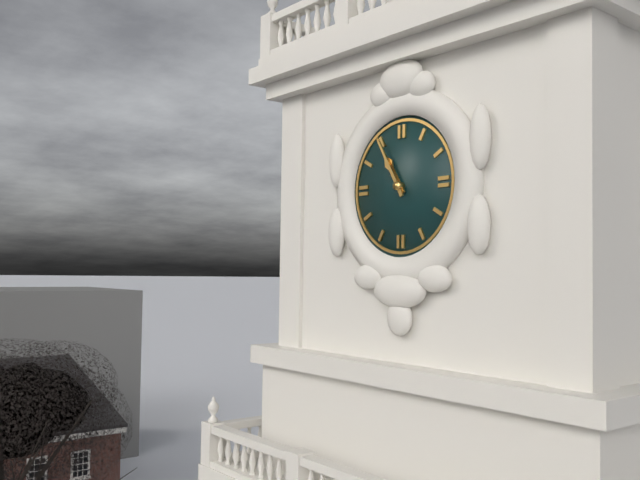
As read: 10:55
